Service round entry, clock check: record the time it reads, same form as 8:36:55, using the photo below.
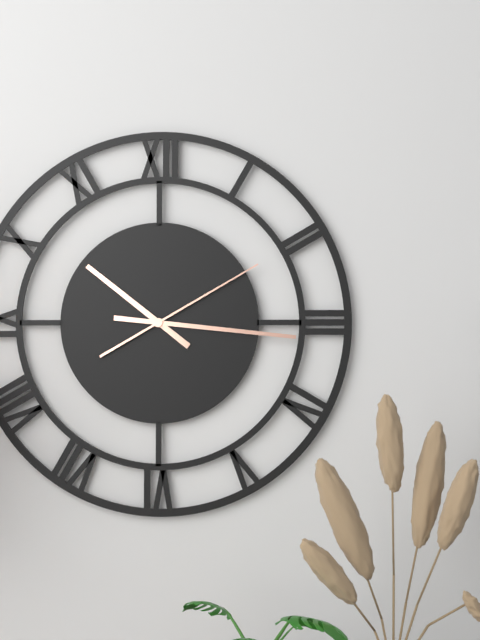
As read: 10:16:10
